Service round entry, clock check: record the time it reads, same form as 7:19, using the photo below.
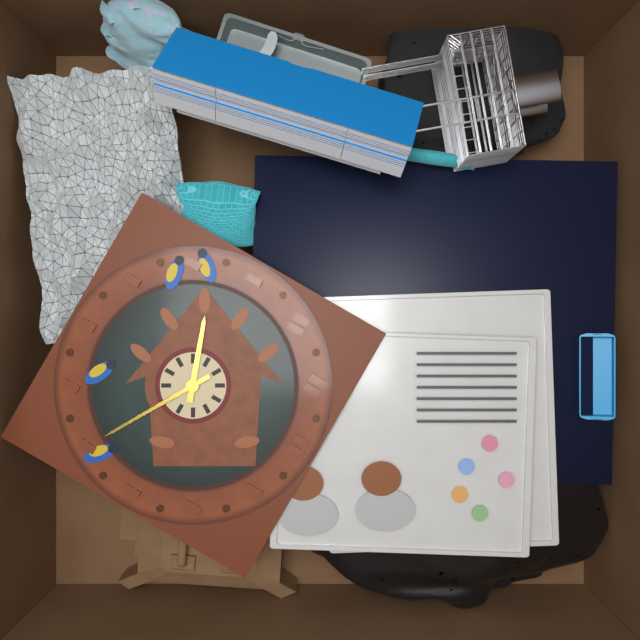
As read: 8:20
